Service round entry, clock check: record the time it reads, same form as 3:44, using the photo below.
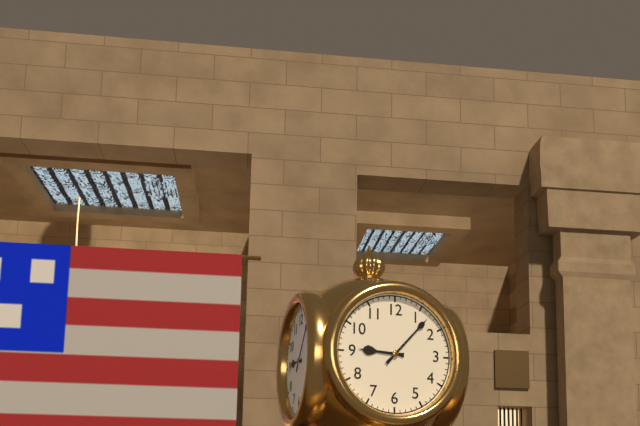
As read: 9:07
